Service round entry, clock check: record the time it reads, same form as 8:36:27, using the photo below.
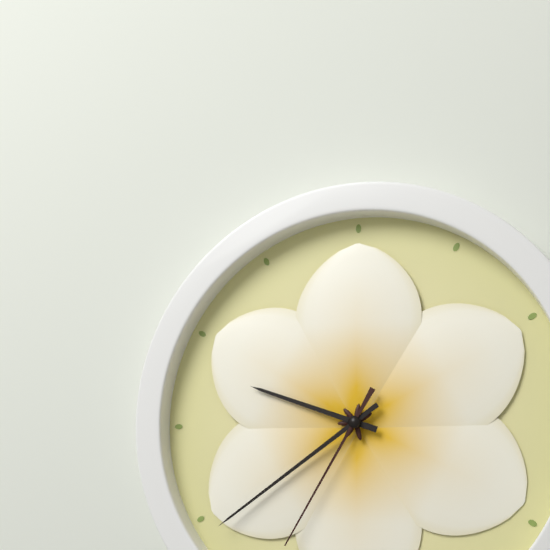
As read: 9:39:35
